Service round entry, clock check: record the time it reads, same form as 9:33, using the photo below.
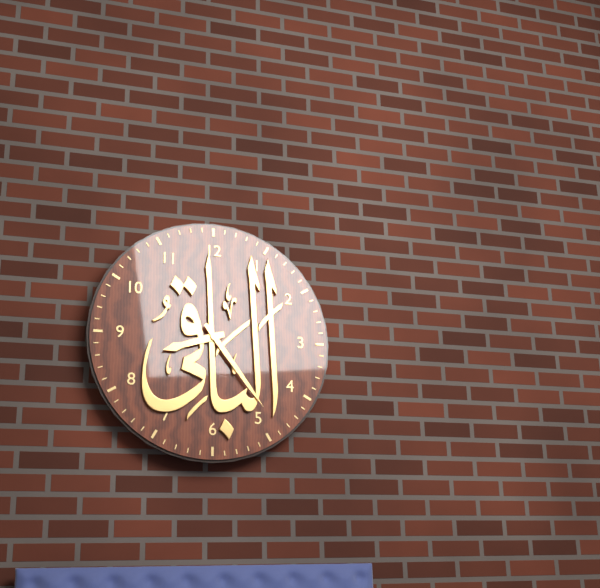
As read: 8:24
